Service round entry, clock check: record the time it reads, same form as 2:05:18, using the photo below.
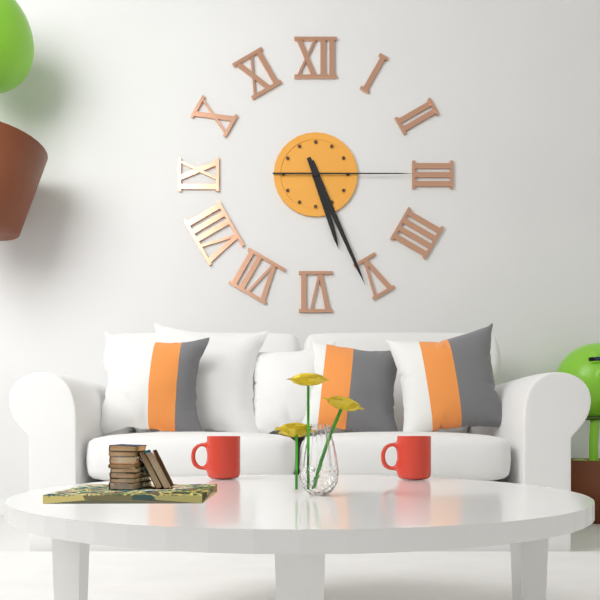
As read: 5:26:15
